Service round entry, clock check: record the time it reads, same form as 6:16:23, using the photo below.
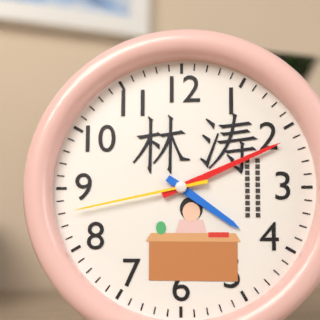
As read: 4:11:43
